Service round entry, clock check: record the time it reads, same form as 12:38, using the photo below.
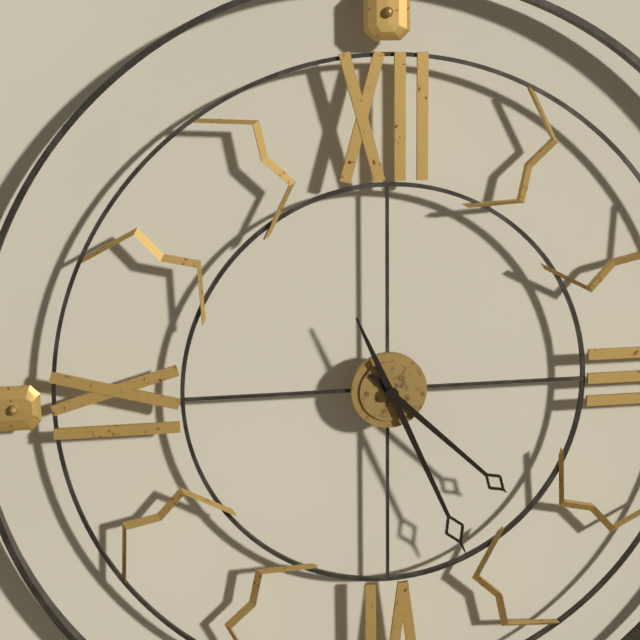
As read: 4:26
